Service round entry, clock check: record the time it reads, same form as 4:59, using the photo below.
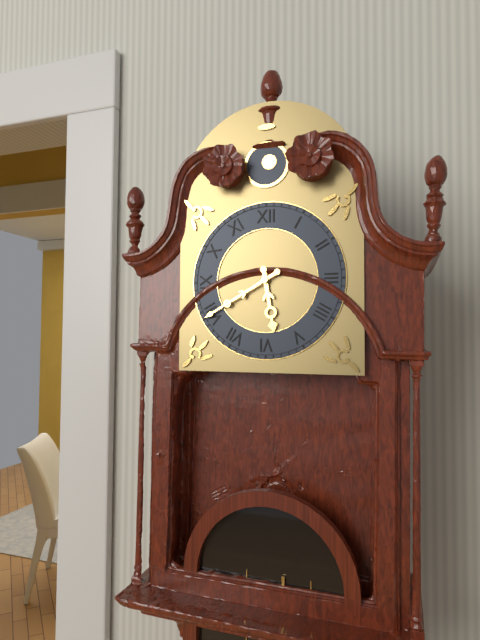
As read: 5:40
